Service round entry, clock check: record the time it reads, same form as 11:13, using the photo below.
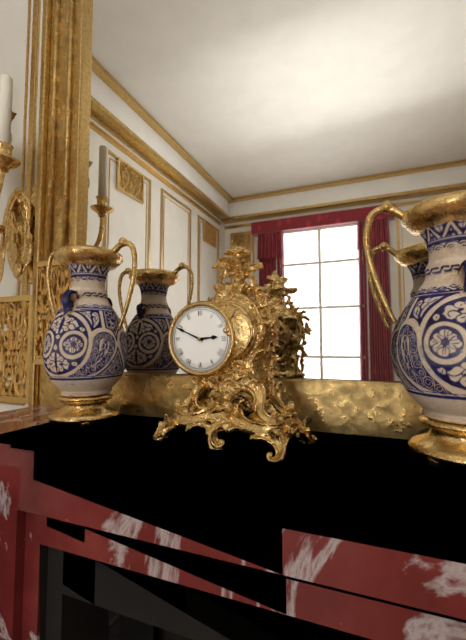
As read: 2:49
